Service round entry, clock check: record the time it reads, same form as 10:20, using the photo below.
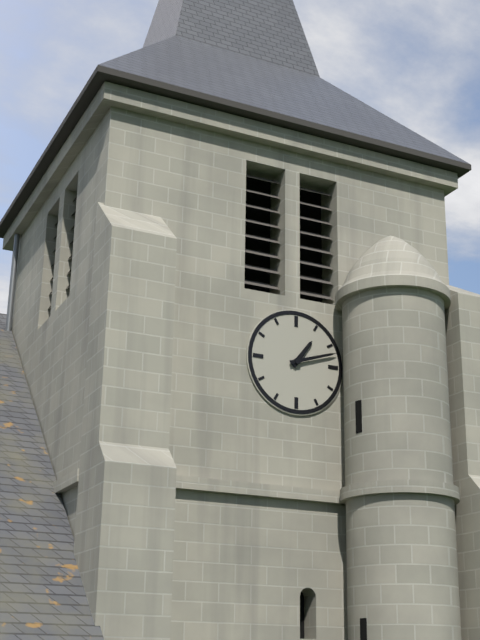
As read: 1:12
